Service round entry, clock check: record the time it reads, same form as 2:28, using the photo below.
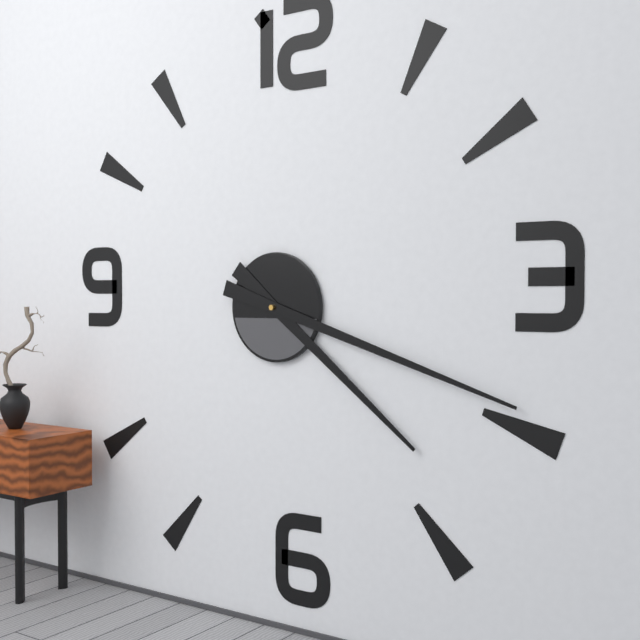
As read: 4:18
